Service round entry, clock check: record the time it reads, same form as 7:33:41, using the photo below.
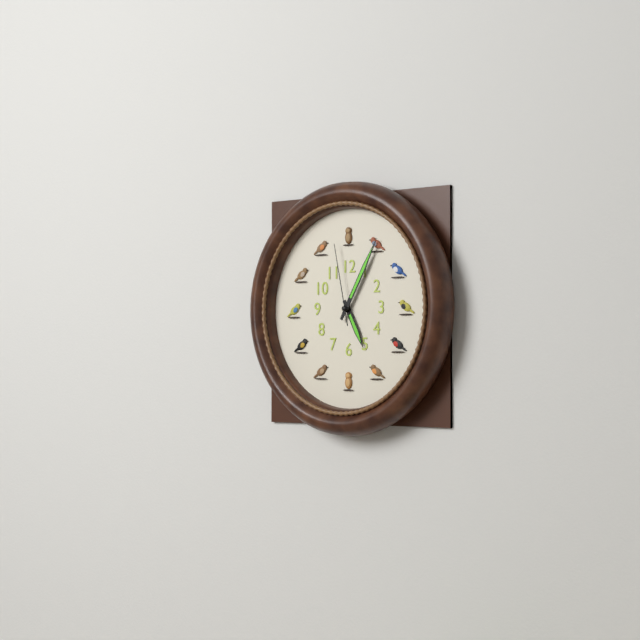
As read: 5:05:58
